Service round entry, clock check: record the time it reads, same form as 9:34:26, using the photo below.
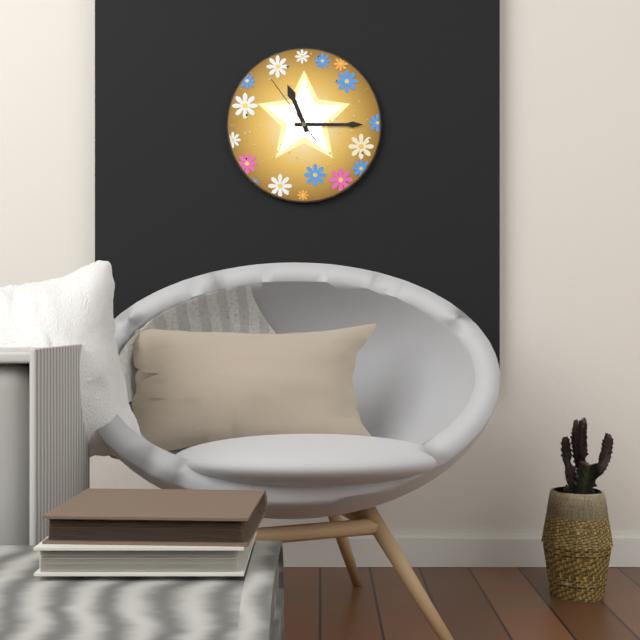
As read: 11:15:54
